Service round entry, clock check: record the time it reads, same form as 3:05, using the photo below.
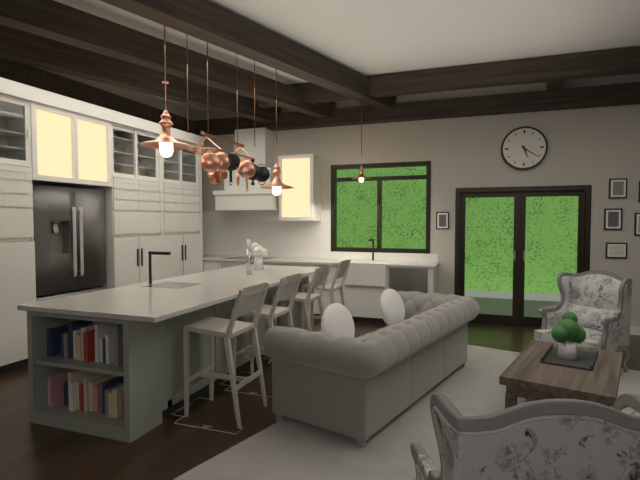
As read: 5:21
